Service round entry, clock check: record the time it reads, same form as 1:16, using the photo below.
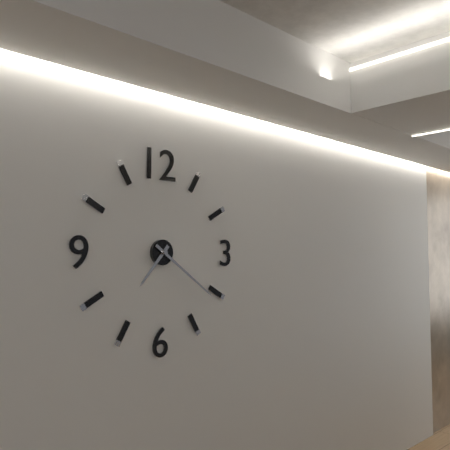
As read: 7:21
